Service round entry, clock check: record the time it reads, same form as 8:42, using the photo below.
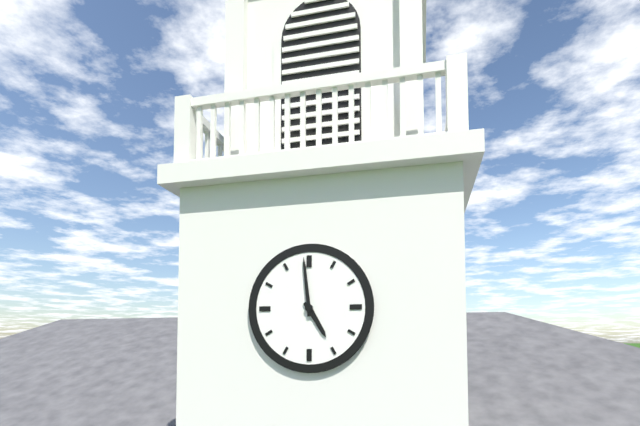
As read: 4:59
